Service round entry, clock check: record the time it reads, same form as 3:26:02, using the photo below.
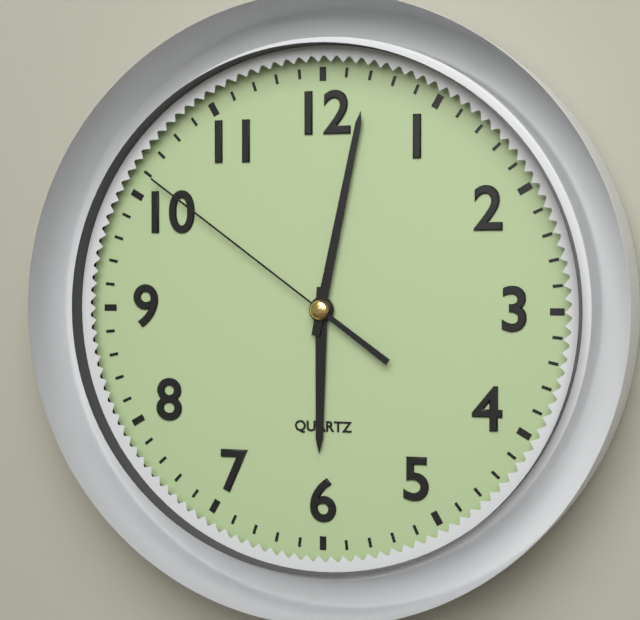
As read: 6:02:51
